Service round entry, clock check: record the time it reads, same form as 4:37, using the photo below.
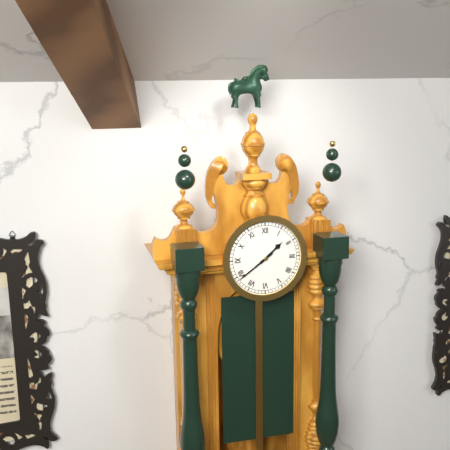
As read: 1:39
